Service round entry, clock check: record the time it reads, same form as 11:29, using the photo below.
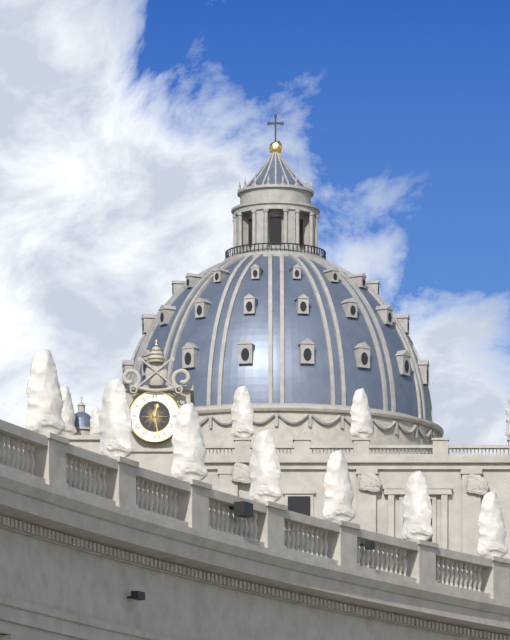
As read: 12:28
